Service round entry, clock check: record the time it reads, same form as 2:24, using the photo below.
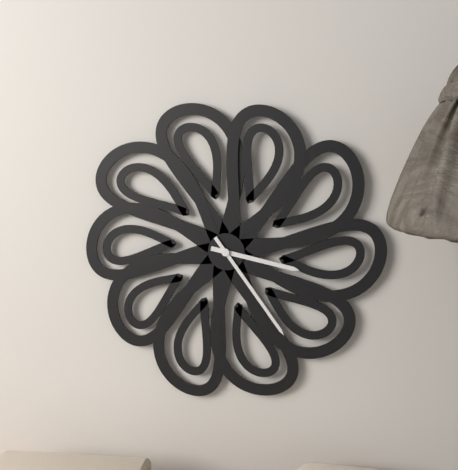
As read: 3:24
